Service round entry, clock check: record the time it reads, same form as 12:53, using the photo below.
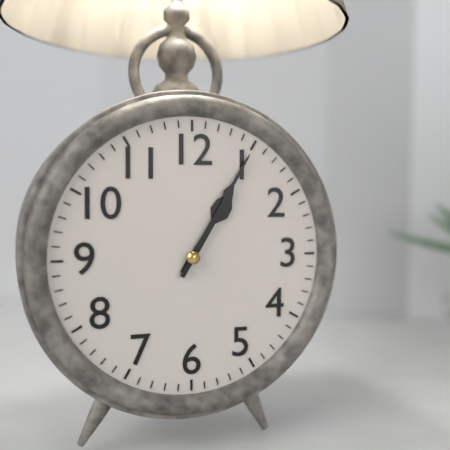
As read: 1:05
